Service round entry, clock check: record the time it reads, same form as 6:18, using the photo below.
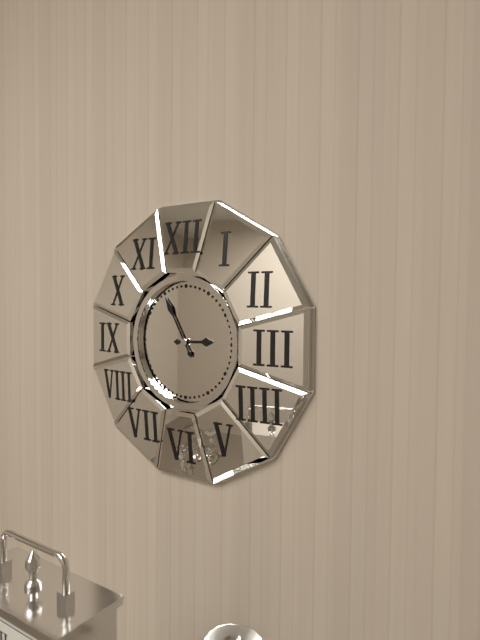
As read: 2:55
